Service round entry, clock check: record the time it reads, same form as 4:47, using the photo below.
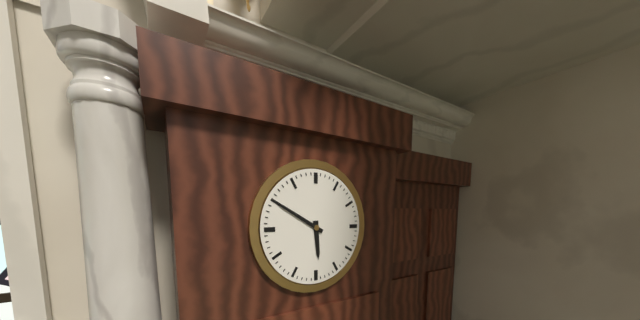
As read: 5:50
